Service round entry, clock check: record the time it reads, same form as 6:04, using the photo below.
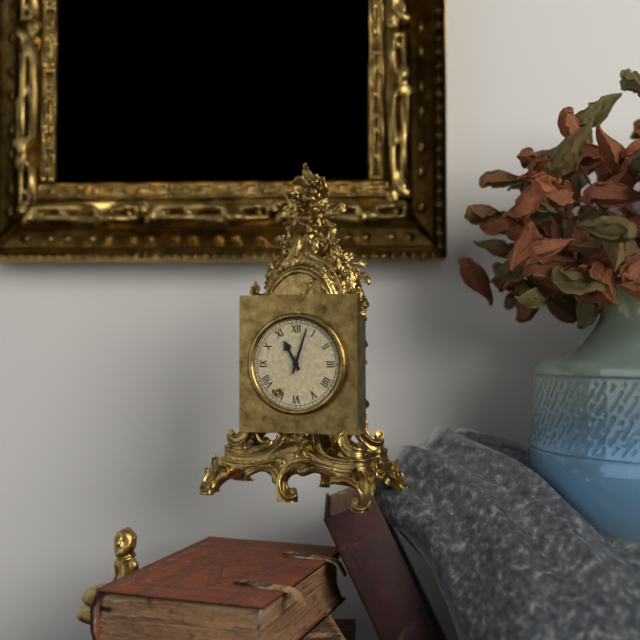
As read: 11:03
